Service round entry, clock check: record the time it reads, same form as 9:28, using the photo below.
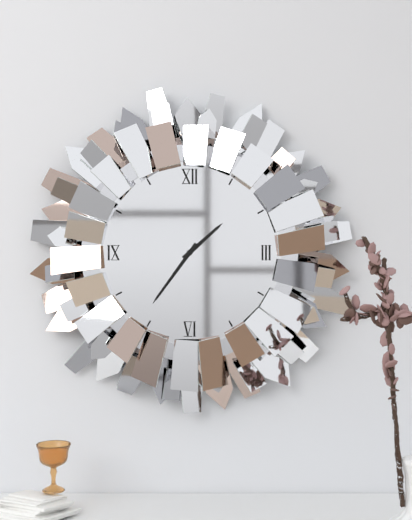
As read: 1:36
